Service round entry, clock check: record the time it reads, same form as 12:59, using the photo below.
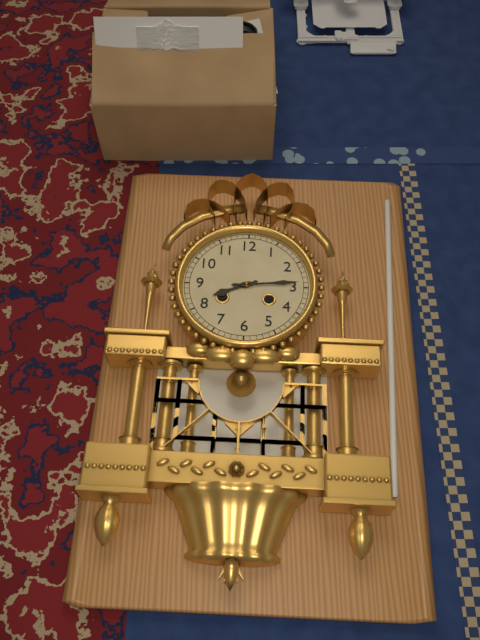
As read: 8:14
